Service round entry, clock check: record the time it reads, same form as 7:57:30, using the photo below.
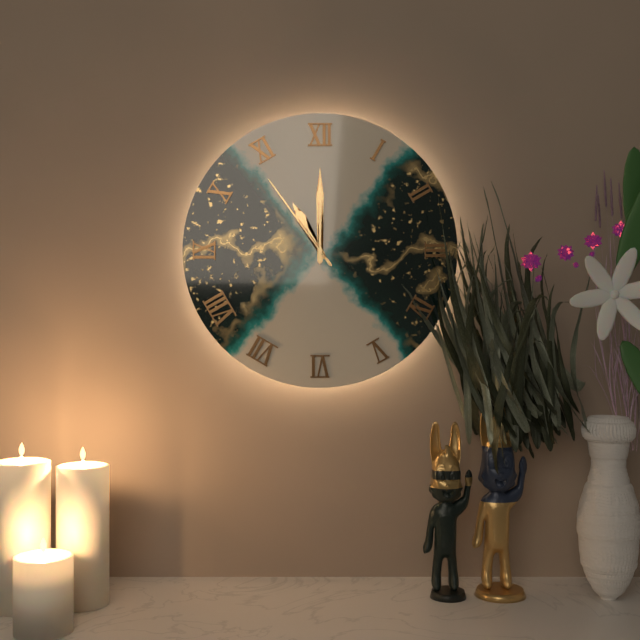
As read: 11:00:54
